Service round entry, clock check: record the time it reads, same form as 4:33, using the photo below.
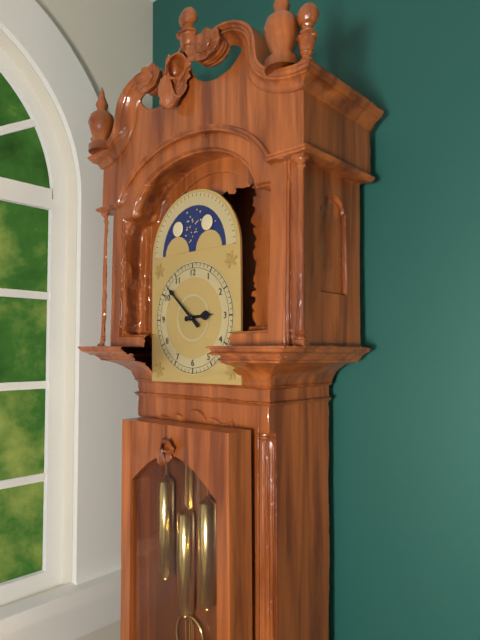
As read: 2:52
